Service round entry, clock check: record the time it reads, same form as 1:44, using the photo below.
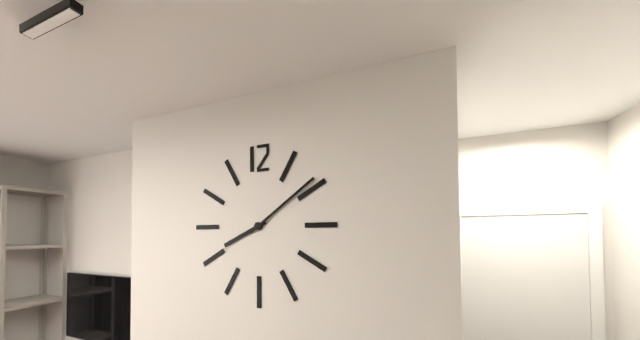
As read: 8:09
